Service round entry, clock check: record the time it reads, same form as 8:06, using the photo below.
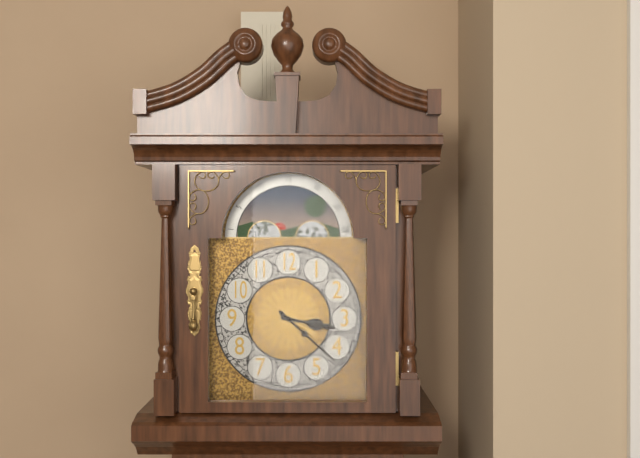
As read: 3:22
